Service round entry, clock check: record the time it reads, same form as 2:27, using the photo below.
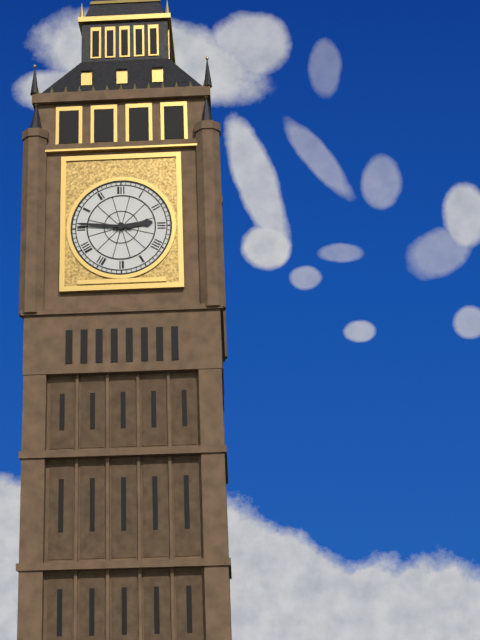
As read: 2:46
